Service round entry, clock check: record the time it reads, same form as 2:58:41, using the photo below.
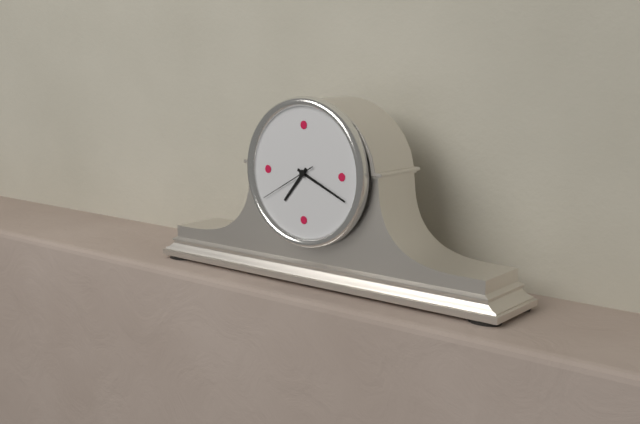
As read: 7:19:40
